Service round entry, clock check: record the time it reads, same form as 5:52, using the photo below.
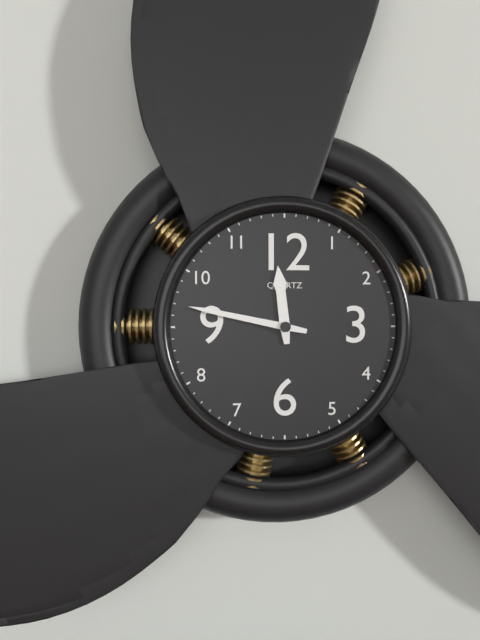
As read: 11:47
